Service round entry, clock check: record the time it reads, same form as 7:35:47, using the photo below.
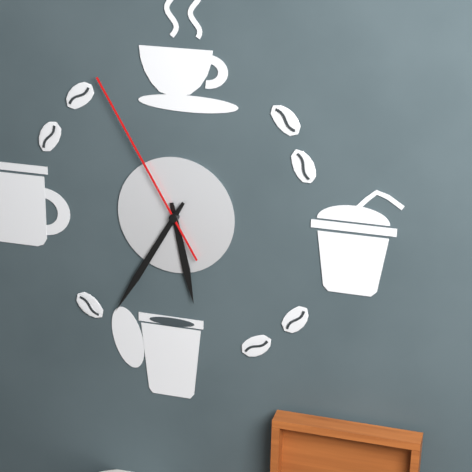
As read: 5:35:55
